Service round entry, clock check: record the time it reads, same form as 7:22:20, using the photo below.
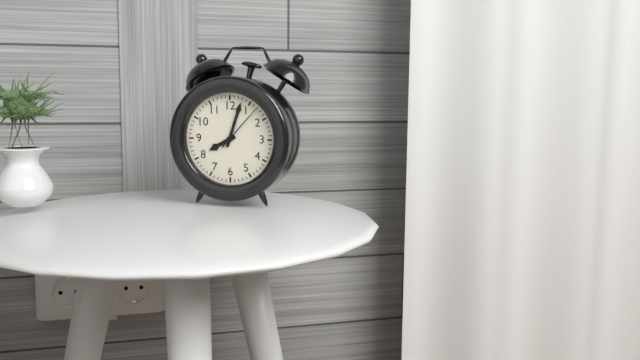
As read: 8:03:07
